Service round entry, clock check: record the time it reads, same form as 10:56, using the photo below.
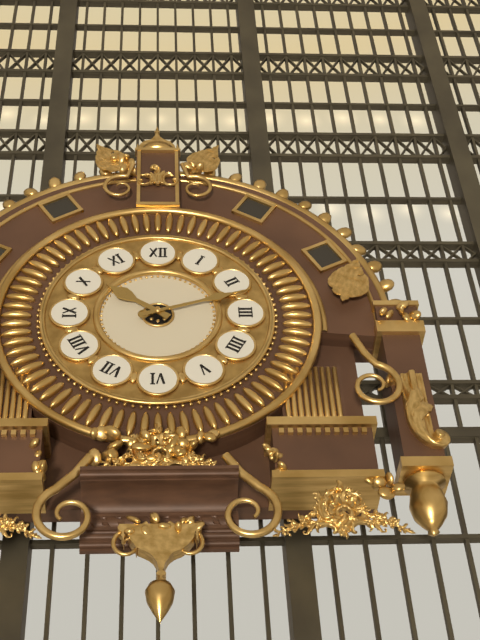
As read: 10:12
